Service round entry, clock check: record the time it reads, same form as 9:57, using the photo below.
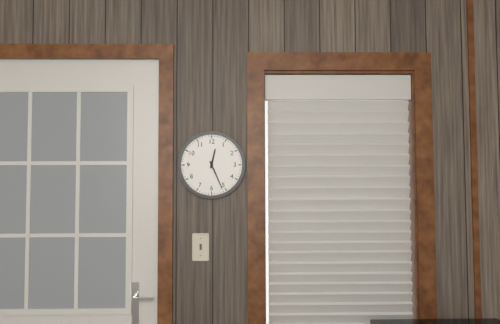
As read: 12:26
